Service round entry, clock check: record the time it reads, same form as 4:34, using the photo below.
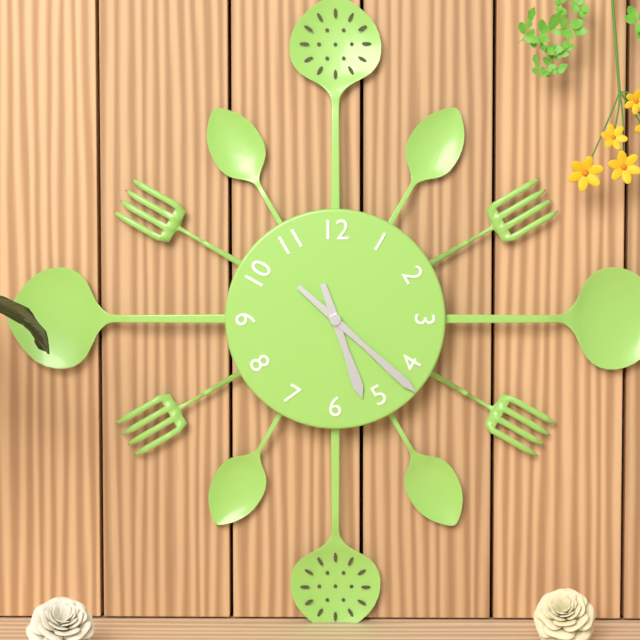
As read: 5:22
